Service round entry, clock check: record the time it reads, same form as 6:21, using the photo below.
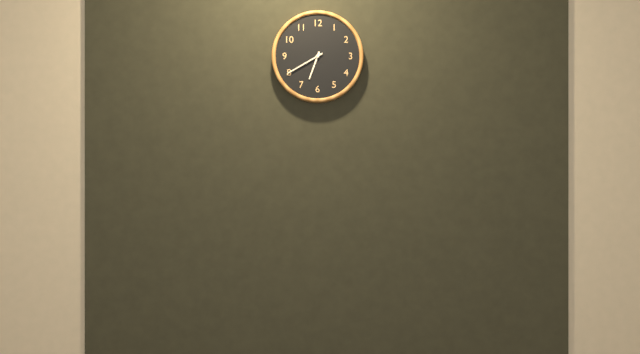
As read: 6:40
